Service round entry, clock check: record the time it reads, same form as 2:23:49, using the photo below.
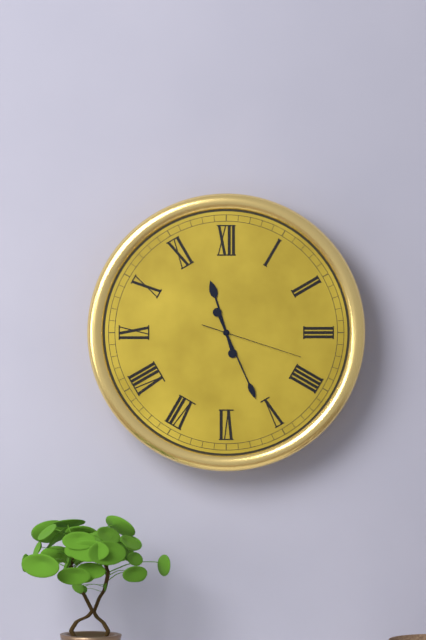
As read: 11:26:18
